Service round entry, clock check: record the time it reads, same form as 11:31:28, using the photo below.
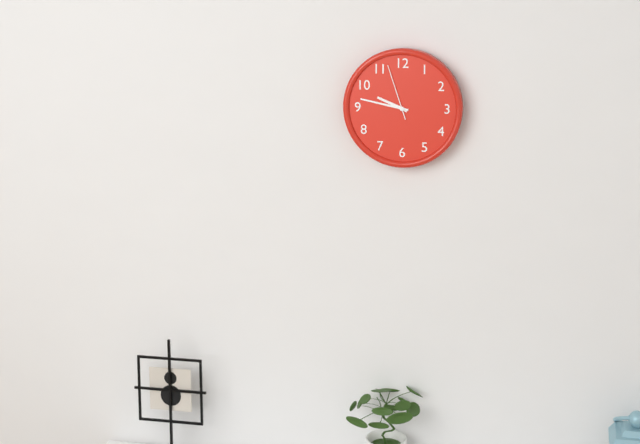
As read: 9:47:57
